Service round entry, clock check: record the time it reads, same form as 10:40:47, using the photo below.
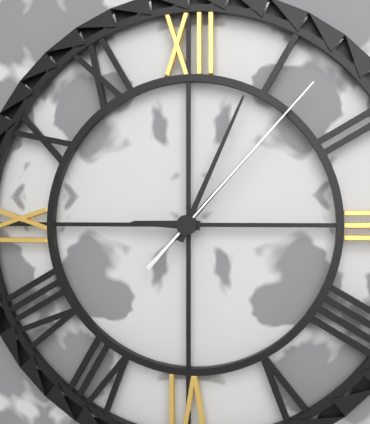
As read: 9:04:07
